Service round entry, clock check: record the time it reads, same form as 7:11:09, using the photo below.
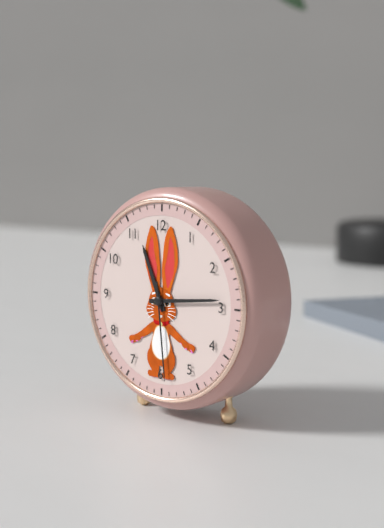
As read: 11:14:29
